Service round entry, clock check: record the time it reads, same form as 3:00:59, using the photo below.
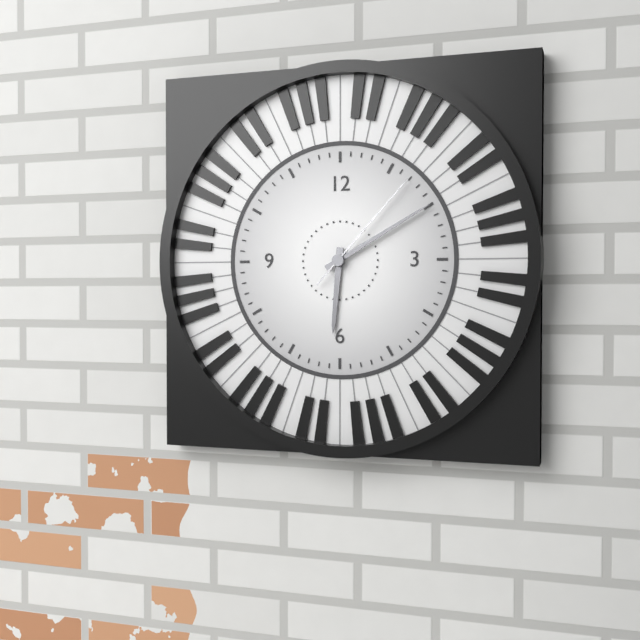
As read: 6:10:07
